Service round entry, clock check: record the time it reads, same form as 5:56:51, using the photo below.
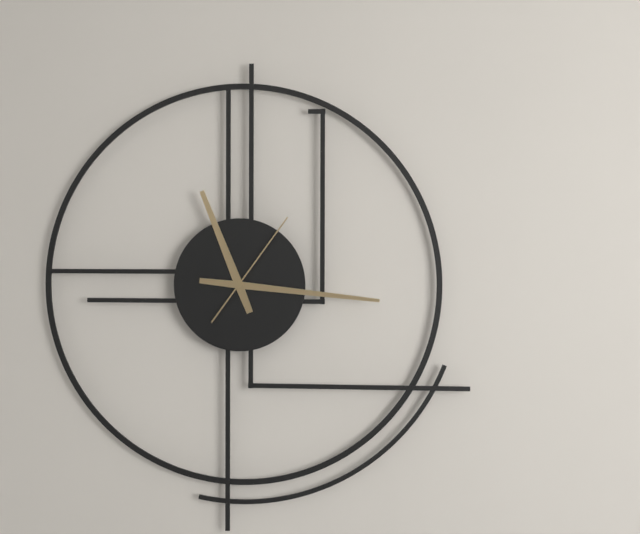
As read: 11:16:06
